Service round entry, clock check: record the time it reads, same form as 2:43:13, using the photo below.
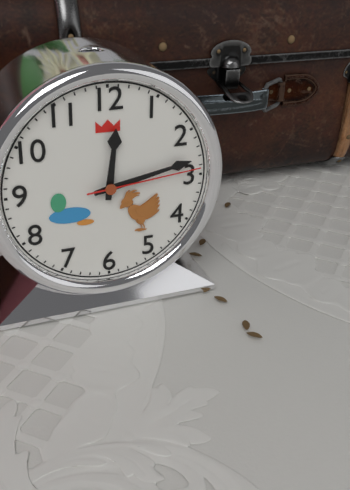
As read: 12:13:14
